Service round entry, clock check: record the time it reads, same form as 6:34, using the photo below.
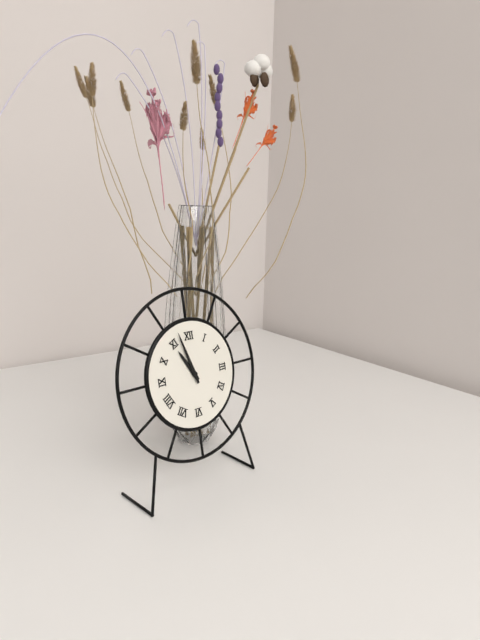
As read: 10:57
